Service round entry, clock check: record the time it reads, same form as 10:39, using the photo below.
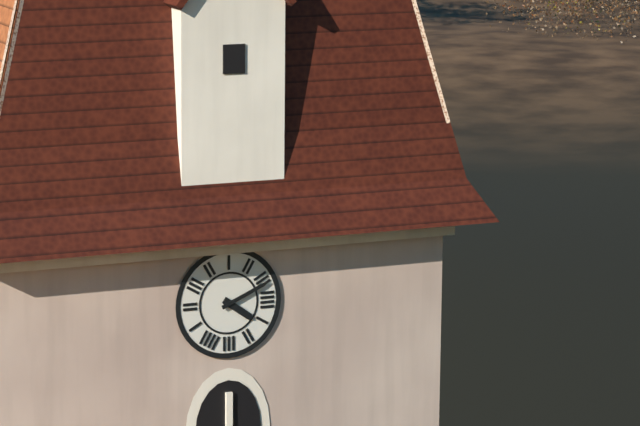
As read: 4:11
